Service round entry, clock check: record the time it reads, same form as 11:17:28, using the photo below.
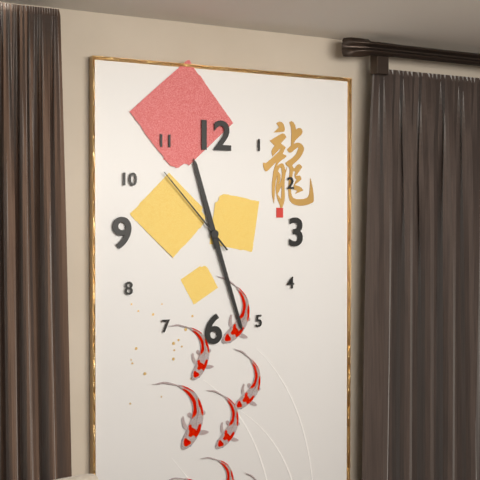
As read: 11:27:53
